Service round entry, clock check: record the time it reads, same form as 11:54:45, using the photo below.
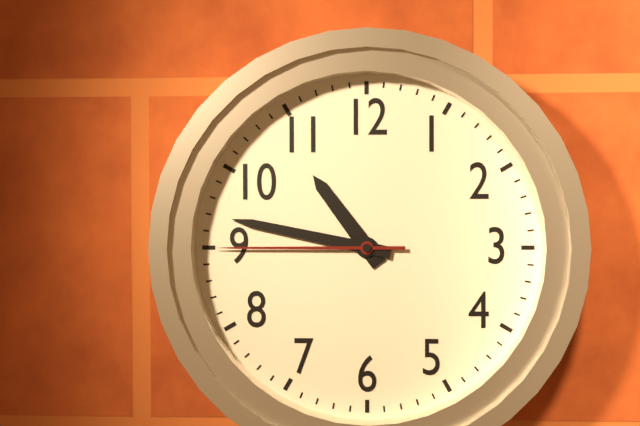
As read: 10:47:45
